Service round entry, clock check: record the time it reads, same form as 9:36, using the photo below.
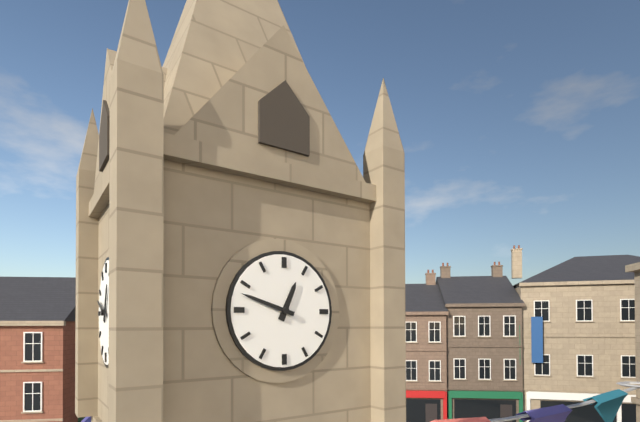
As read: 12:48
